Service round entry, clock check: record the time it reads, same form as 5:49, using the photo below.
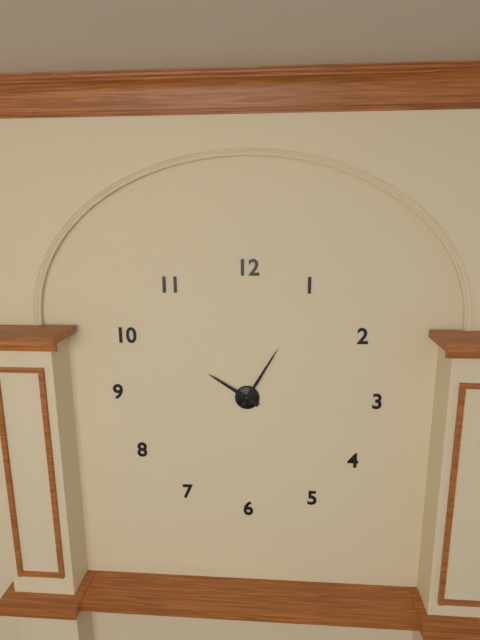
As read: 10:05
